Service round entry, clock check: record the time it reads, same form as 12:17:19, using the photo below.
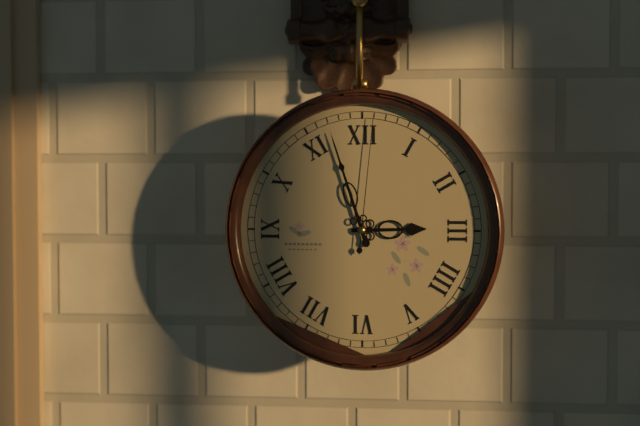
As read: 2:57:01
